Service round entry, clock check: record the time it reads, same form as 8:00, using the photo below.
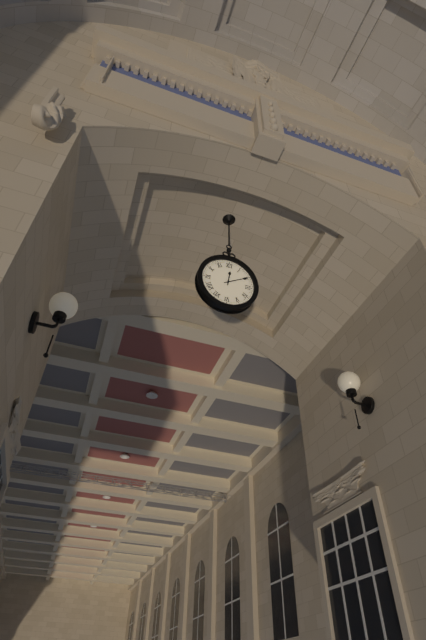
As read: 12:10
